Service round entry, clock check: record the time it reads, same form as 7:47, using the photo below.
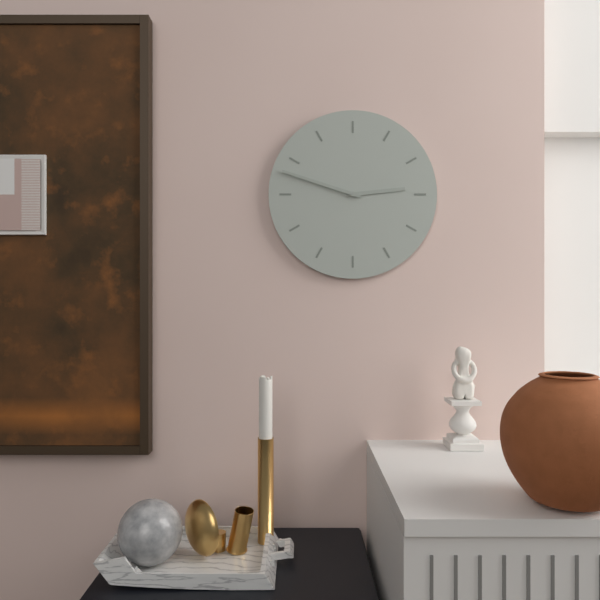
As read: 2:48
